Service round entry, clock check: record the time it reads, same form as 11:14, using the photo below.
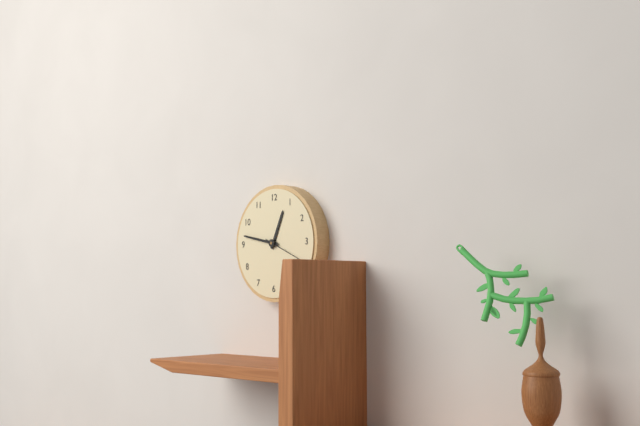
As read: 12:47
